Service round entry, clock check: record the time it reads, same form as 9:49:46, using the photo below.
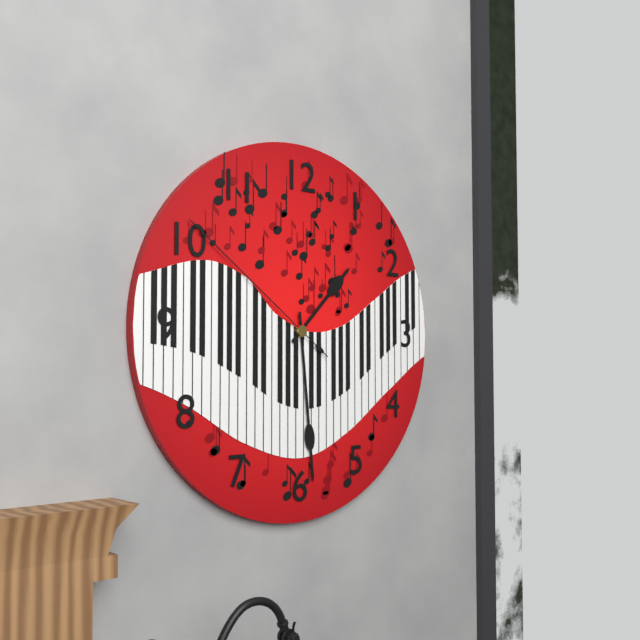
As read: 1:29:51
